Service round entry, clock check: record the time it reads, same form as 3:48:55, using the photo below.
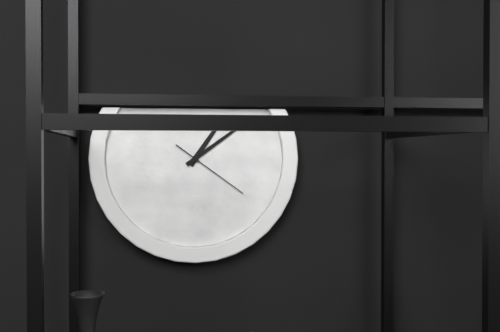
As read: 1:09:21
